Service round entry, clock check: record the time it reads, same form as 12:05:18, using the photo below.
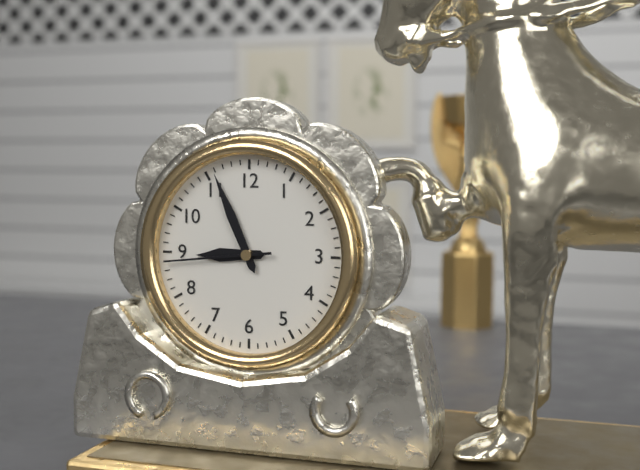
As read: 8:56:44
